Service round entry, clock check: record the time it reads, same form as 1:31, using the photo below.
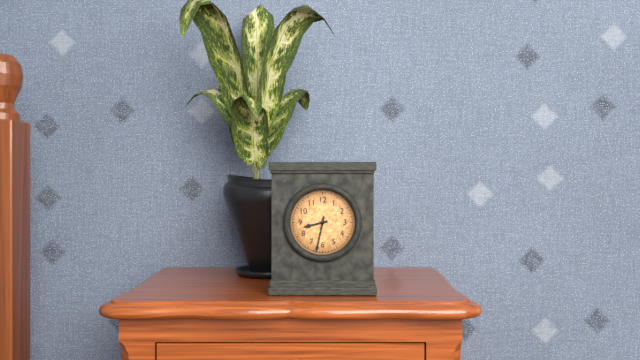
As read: 8:32
